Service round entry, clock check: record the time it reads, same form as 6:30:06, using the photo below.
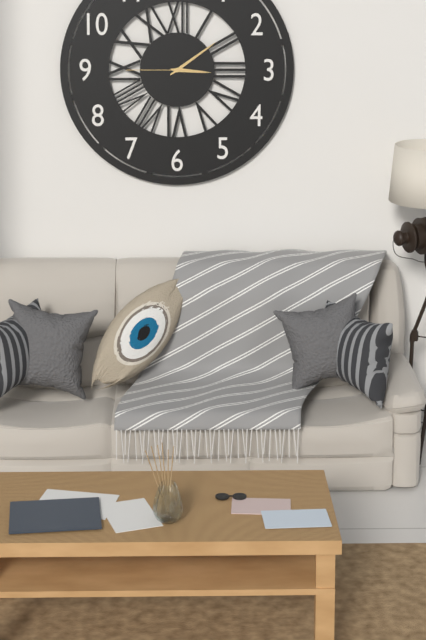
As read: 3:09:45
